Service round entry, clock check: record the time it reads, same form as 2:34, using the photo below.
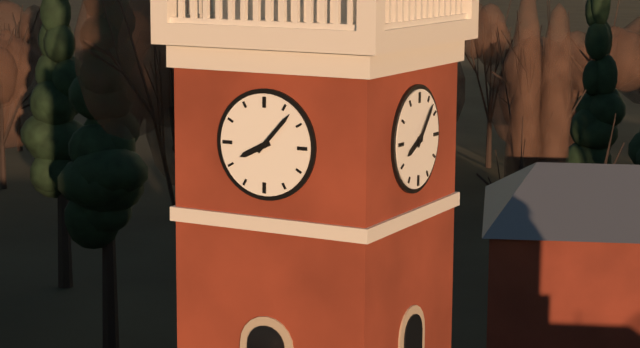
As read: 8:07
